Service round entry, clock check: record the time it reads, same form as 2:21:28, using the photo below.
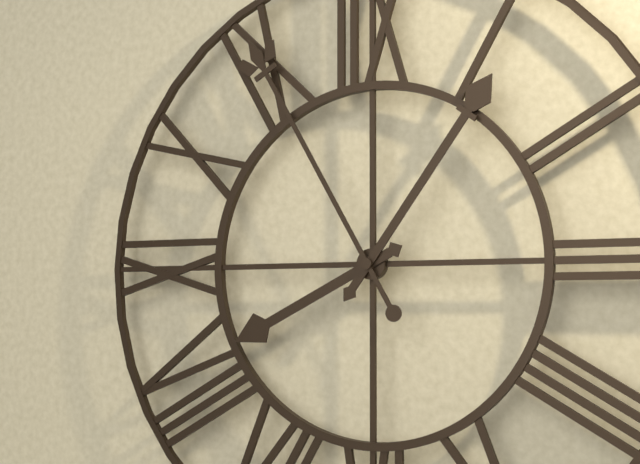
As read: 8:06:55
